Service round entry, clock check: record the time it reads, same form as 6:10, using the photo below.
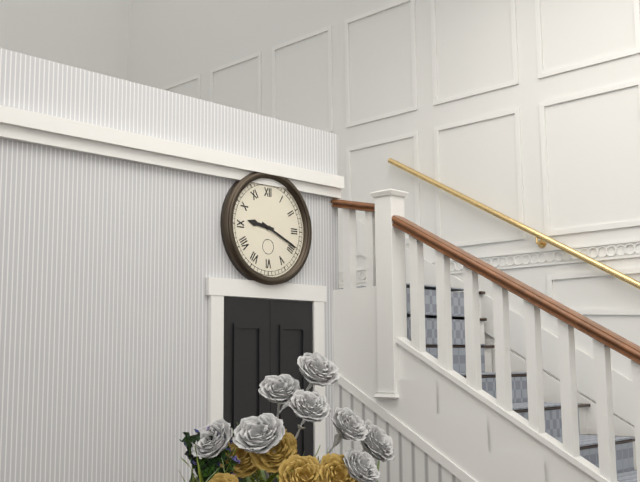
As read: 9:19
